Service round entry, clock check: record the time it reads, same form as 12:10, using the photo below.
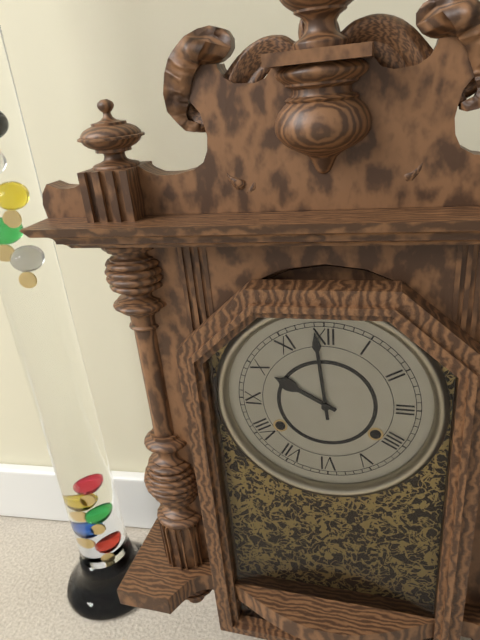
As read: 9:59
